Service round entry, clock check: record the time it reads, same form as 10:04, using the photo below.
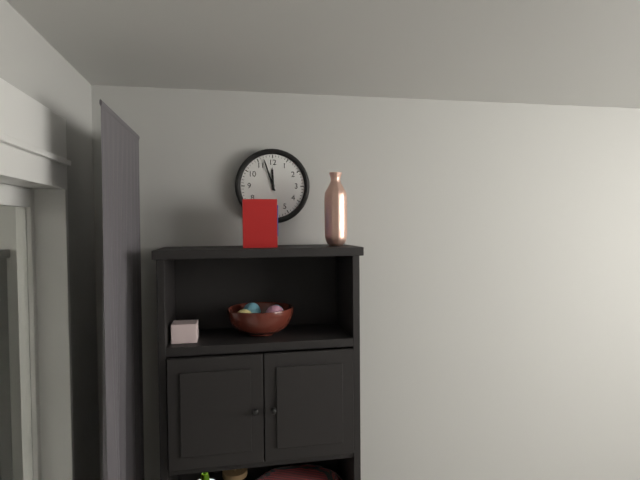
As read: 11:57
